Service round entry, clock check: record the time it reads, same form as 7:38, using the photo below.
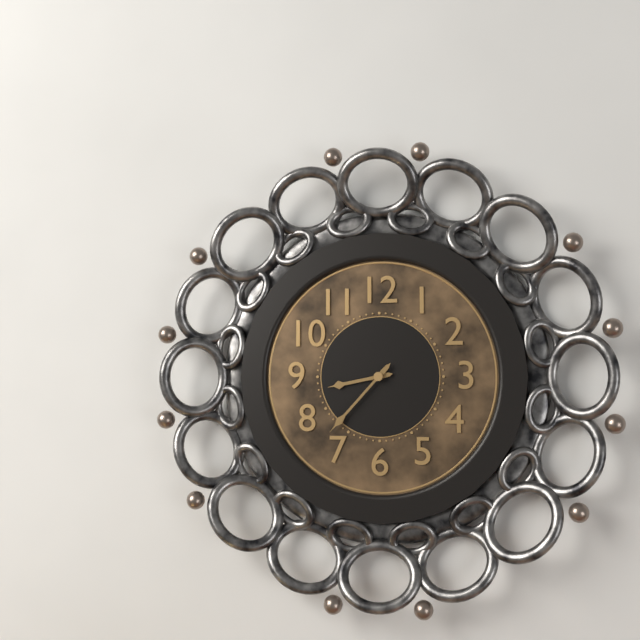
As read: 8:37
